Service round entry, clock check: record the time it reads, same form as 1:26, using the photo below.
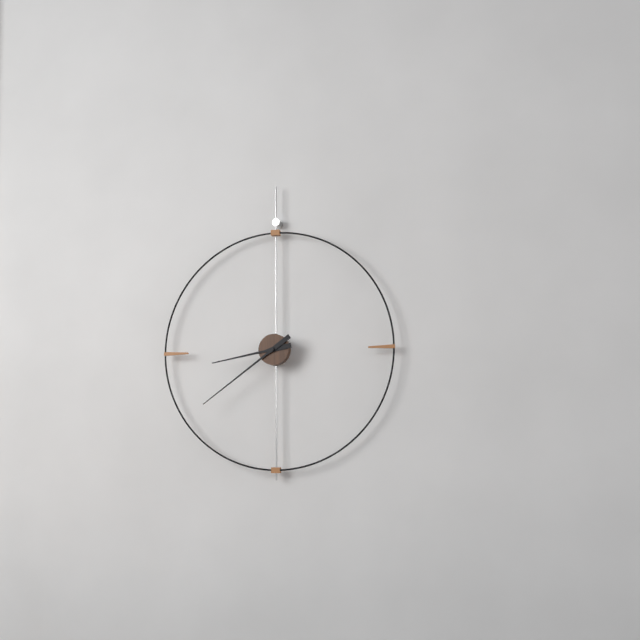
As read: 8:39
